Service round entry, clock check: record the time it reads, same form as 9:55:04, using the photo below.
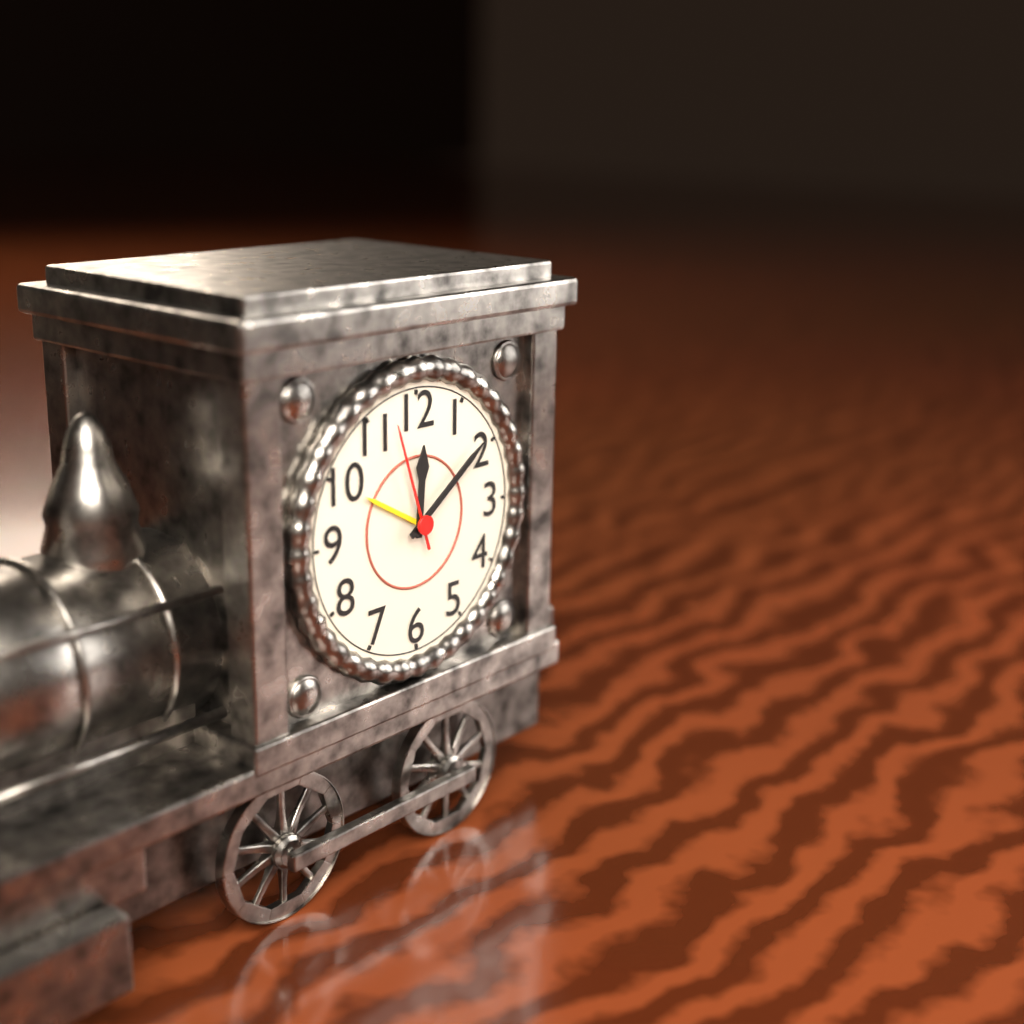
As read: 12:09:57
